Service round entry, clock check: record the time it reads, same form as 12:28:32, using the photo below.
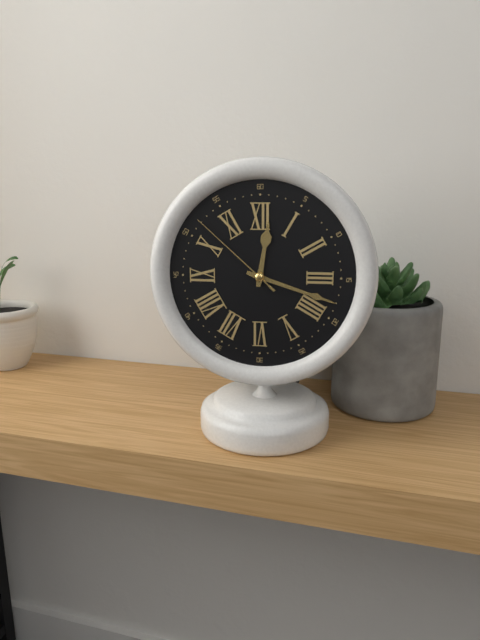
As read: 12:18:52
